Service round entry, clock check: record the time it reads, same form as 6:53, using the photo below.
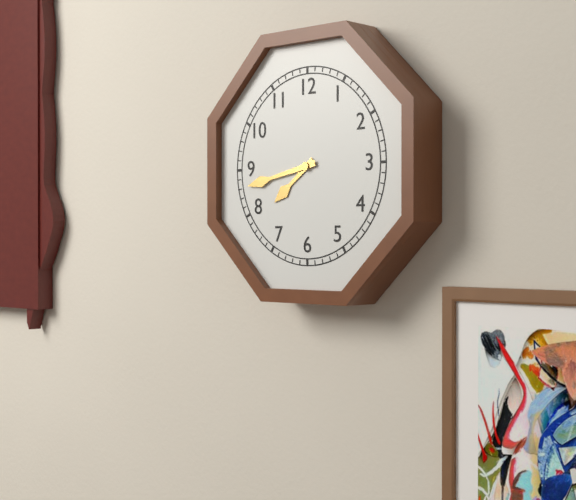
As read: 7:43
